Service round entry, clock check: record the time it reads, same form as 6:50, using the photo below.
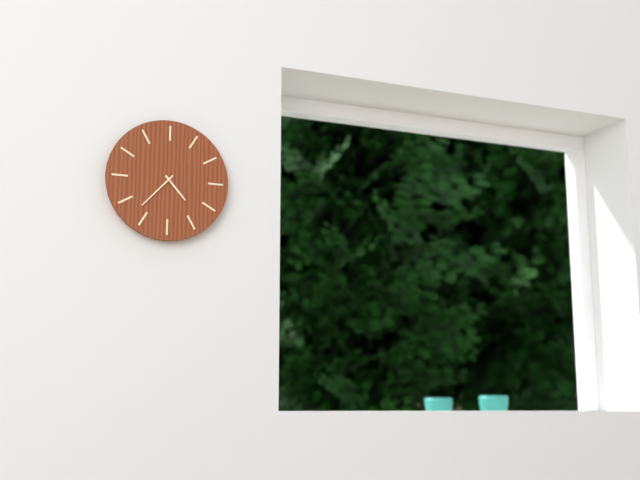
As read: 4:37
